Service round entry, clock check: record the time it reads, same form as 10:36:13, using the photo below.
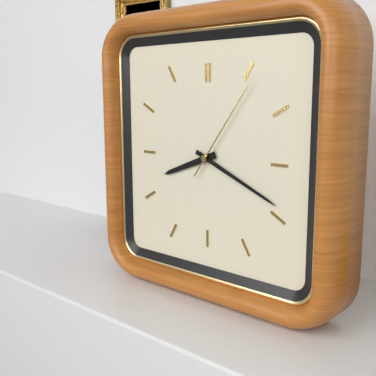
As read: 8:19:06
